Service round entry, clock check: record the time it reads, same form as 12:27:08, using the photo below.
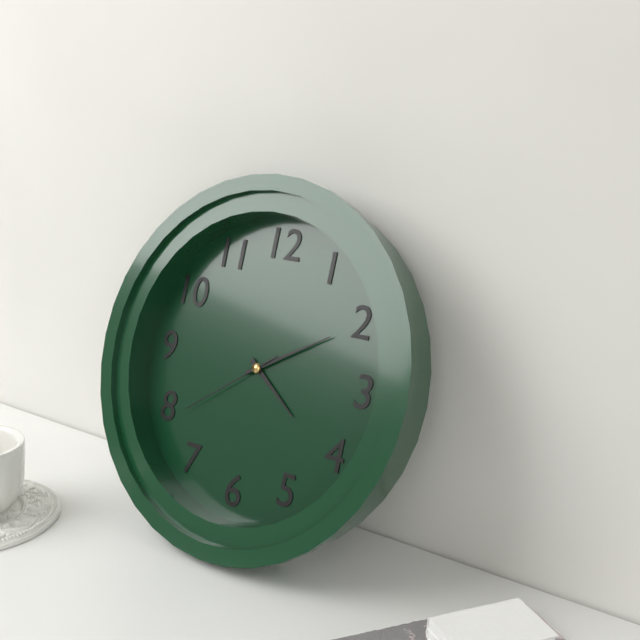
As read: 4:10:39
